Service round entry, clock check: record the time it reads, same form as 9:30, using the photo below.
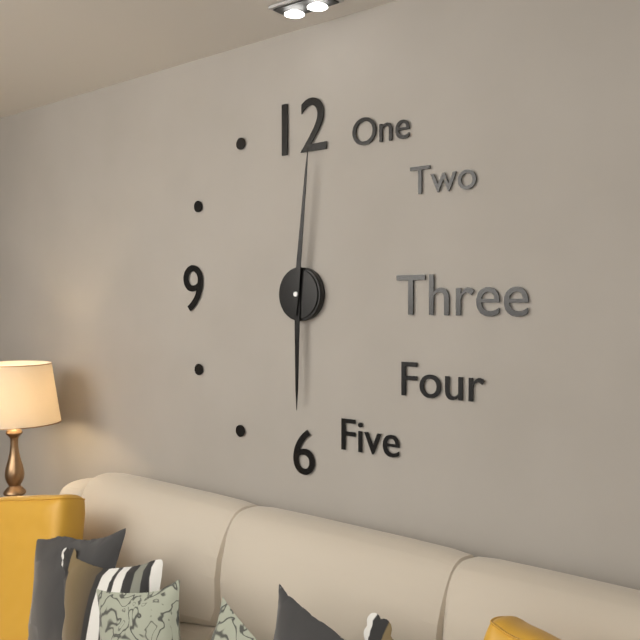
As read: 6:01
